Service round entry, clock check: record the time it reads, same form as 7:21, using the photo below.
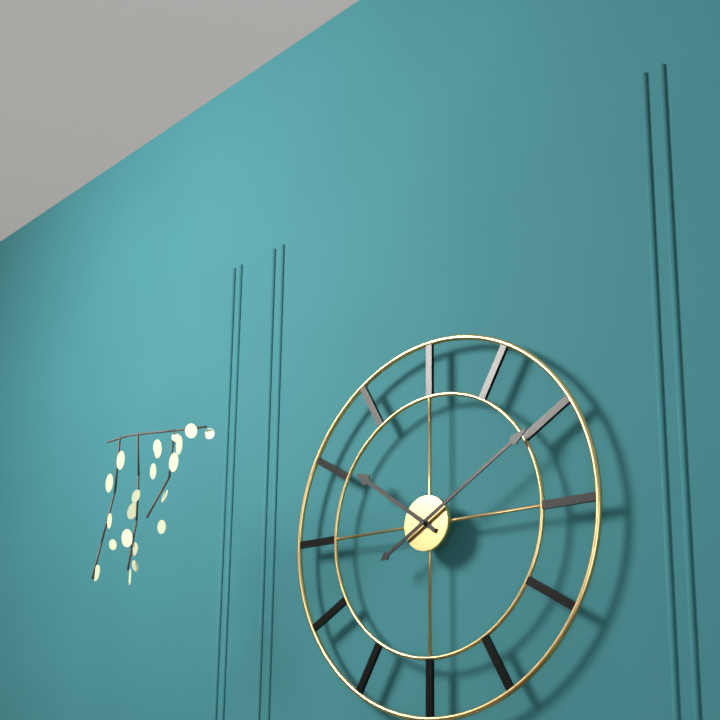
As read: 10:10
